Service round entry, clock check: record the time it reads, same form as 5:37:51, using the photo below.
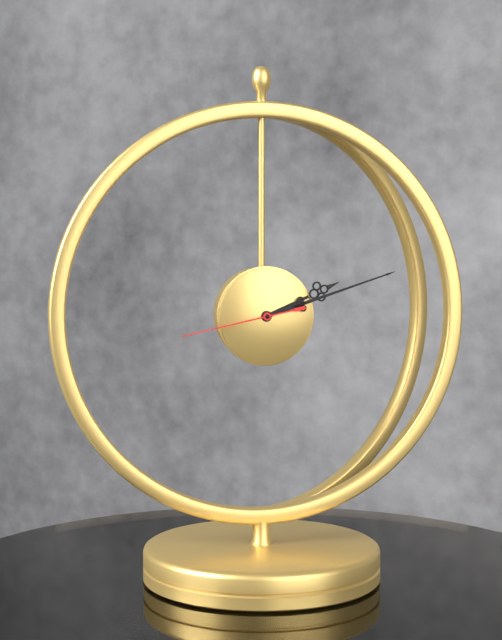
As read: 2:12:43
